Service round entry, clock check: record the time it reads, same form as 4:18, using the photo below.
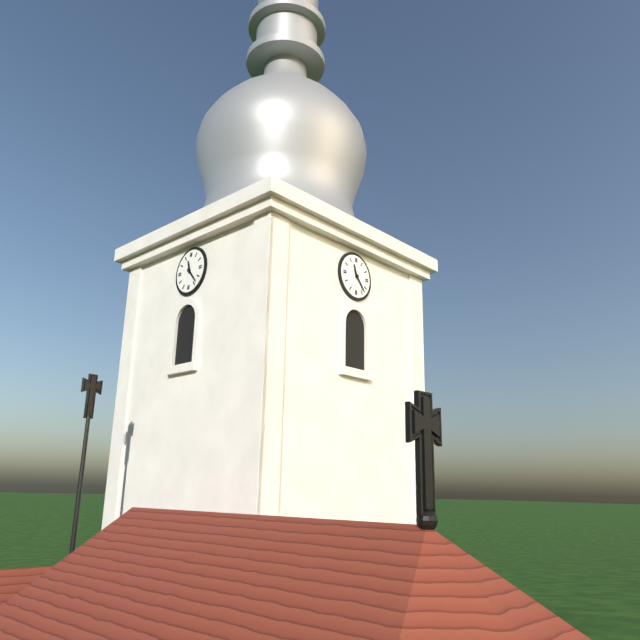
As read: 11:23
